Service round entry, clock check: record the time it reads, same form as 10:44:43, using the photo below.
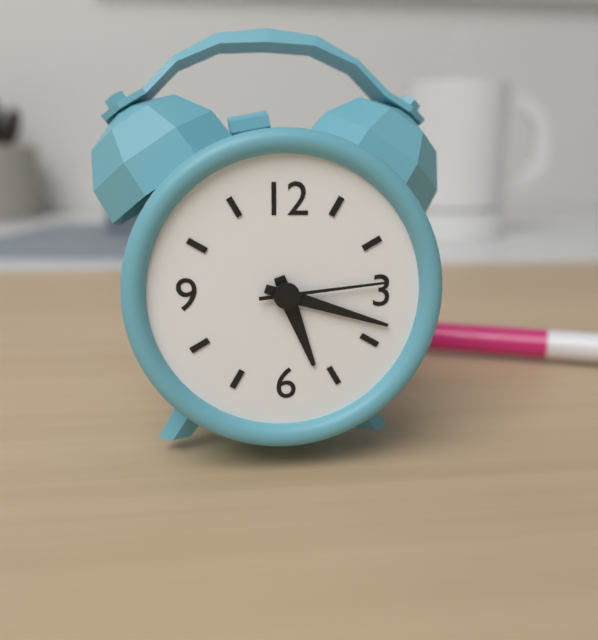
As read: 5:18:14
